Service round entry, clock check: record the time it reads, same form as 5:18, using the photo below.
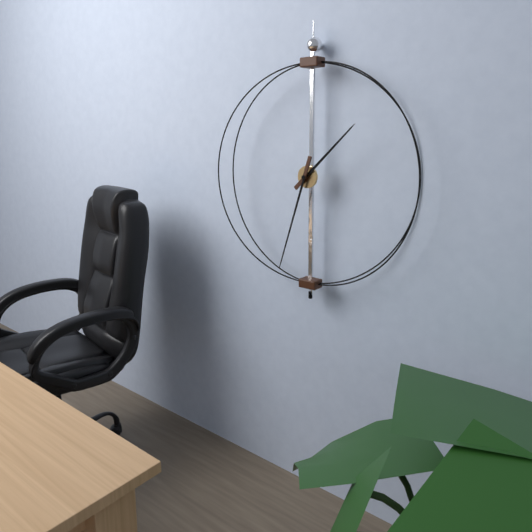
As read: 1:33
